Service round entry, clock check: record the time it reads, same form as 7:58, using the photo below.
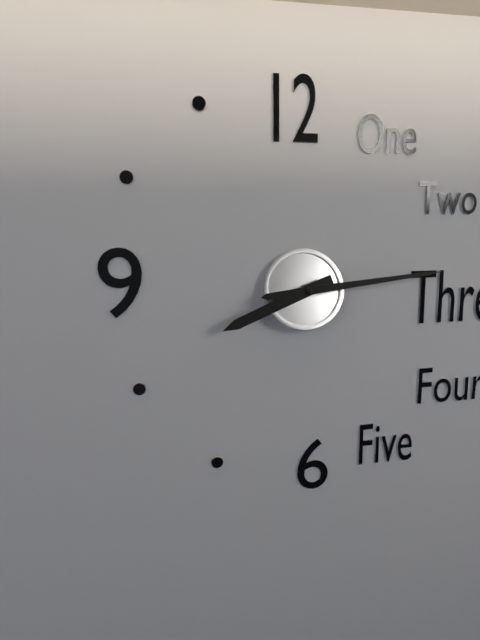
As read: 8:14
